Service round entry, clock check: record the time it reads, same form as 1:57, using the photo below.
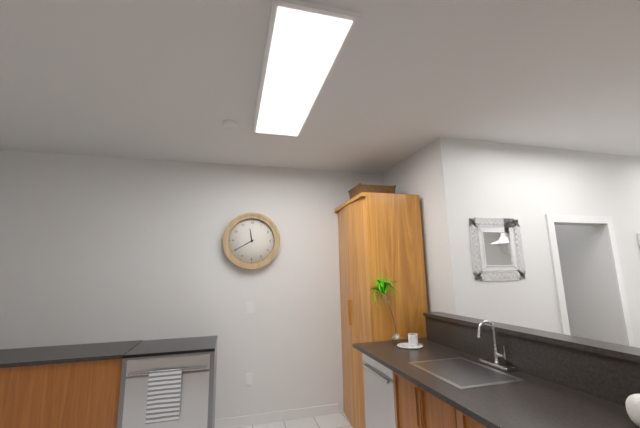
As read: 11:40
